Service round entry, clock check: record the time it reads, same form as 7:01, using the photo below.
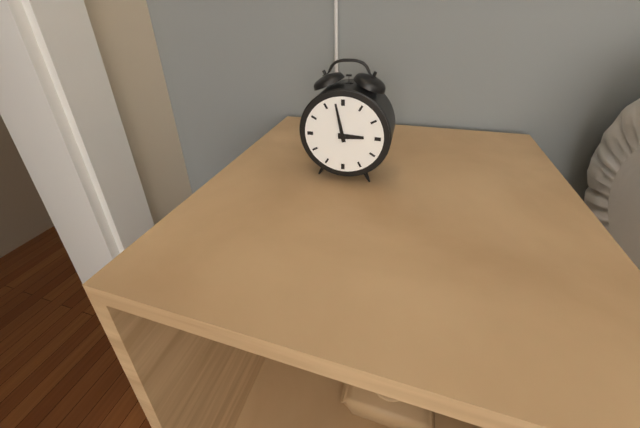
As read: 2:58
